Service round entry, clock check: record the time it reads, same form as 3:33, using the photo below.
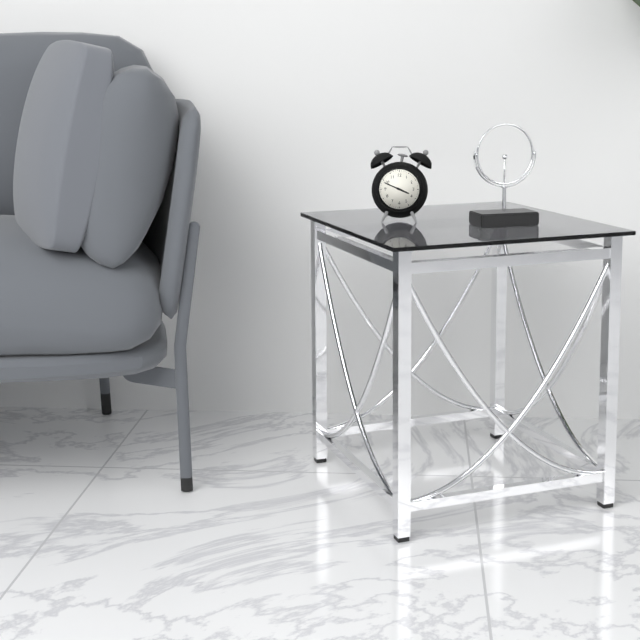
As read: 3:49
